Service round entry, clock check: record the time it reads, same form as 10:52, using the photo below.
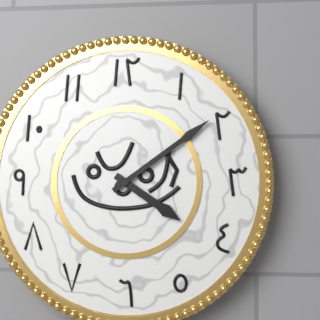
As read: 4:09
